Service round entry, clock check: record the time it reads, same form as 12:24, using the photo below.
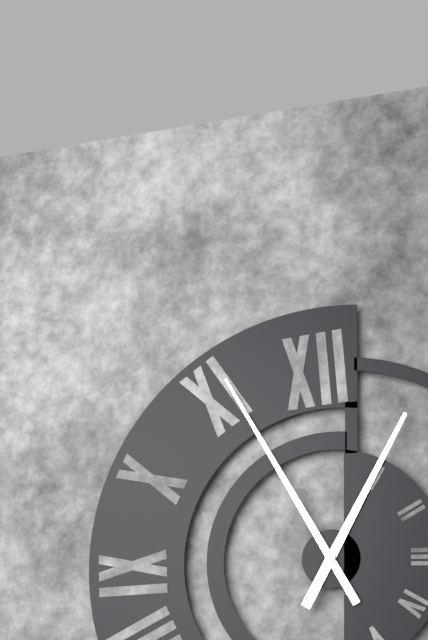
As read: 12:55
